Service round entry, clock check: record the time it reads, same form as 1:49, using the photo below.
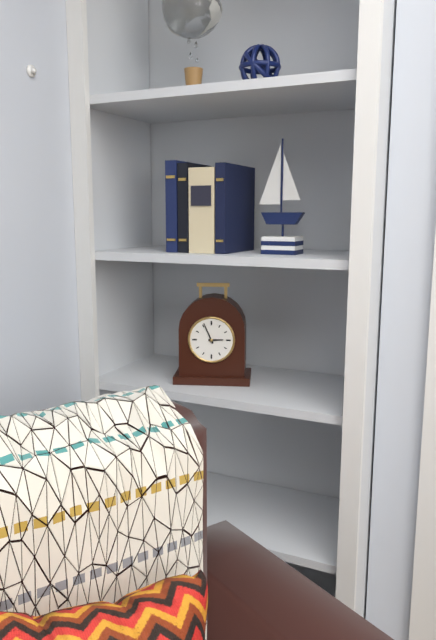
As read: 2:56
